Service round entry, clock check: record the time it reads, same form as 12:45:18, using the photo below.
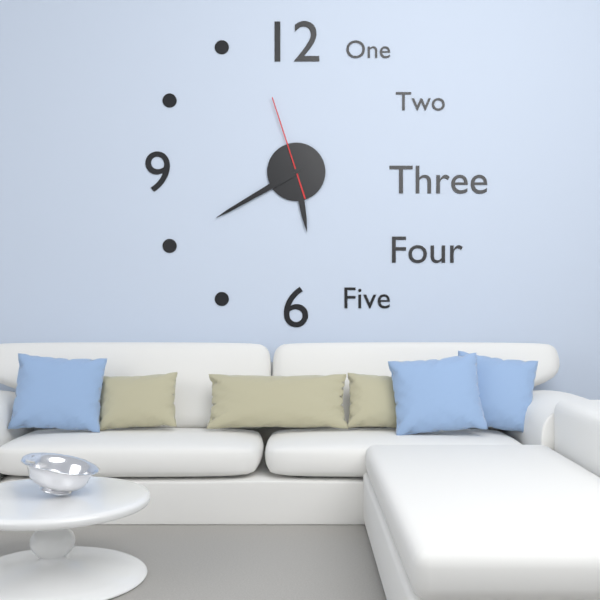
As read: 5:40:57
